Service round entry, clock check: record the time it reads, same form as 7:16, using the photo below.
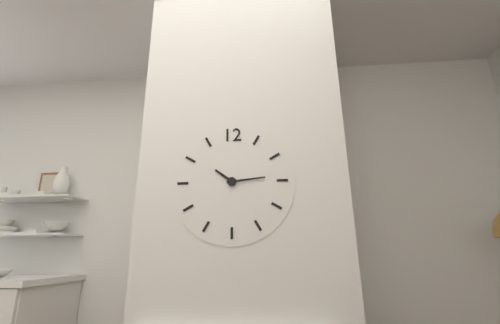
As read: 10:14
